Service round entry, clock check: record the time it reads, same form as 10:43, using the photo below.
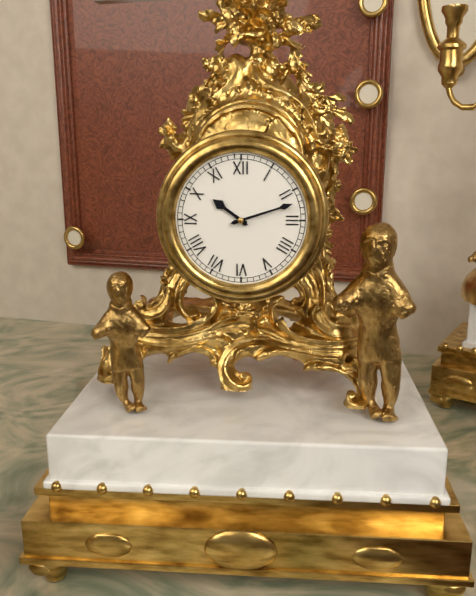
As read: 10:12
